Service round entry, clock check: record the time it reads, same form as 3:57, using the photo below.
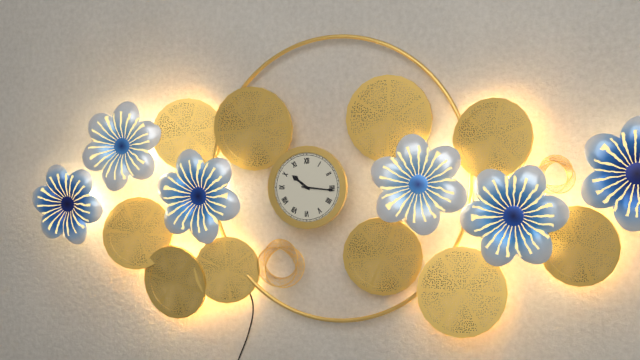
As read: 10:16
